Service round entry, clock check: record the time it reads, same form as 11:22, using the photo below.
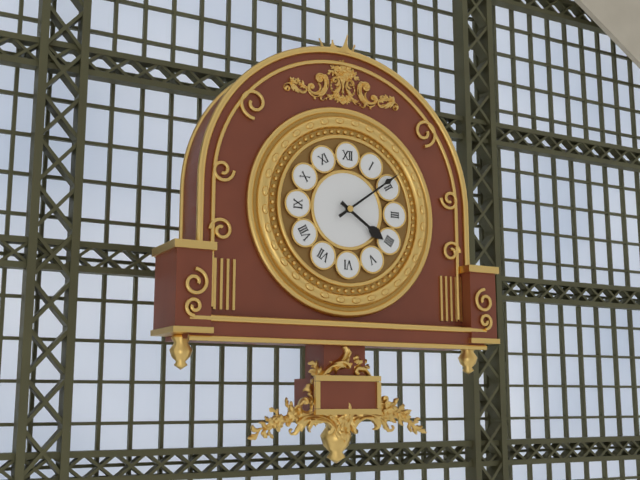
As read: 4:09
